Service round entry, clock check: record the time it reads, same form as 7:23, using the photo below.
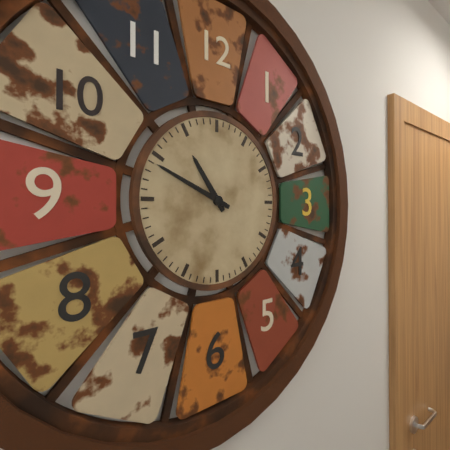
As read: 10:49
